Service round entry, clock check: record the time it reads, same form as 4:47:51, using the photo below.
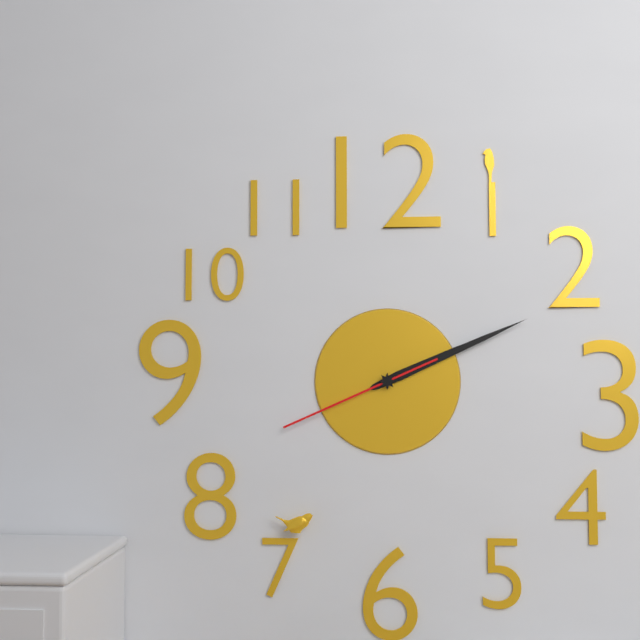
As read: 2:11:41
